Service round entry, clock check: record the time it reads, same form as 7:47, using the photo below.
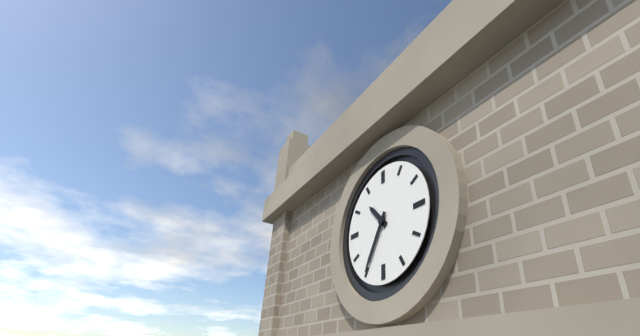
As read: 10:35
